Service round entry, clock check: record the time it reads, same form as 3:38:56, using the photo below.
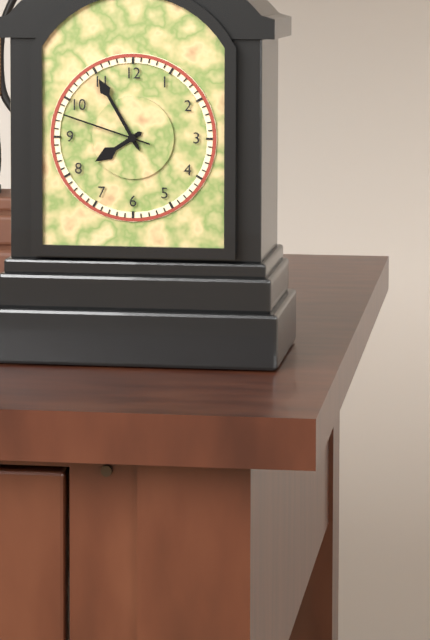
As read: 7:55:48
